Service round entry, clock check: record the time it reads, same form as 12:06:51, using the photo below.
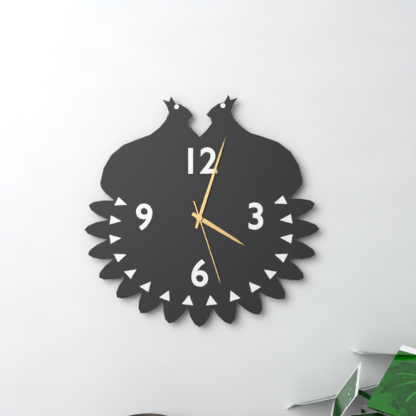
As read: 4:03:27
